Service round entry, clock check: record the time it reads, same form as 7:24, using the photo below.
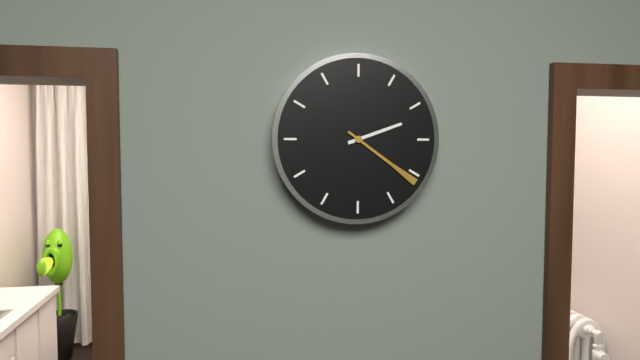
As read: 2:21
